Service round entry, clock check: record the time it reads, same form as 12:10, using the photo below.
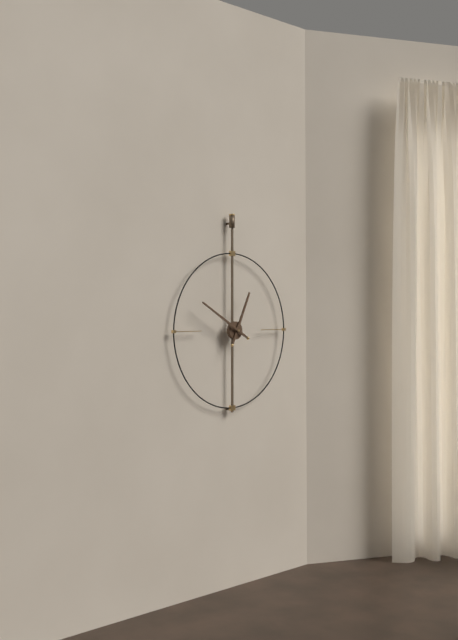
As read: 12:50
